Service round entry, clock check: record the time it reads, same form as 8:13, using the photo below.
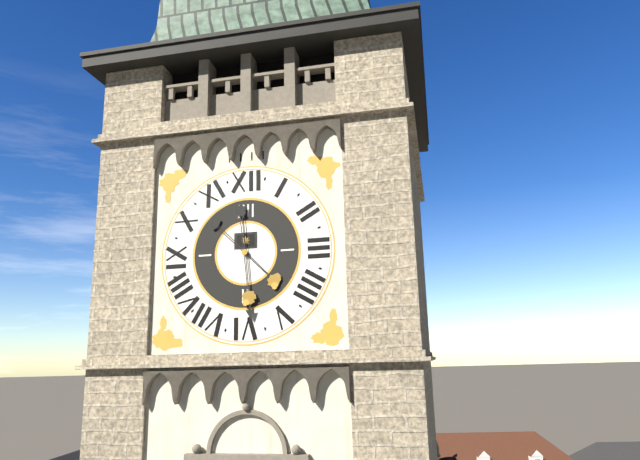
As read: 4:29
